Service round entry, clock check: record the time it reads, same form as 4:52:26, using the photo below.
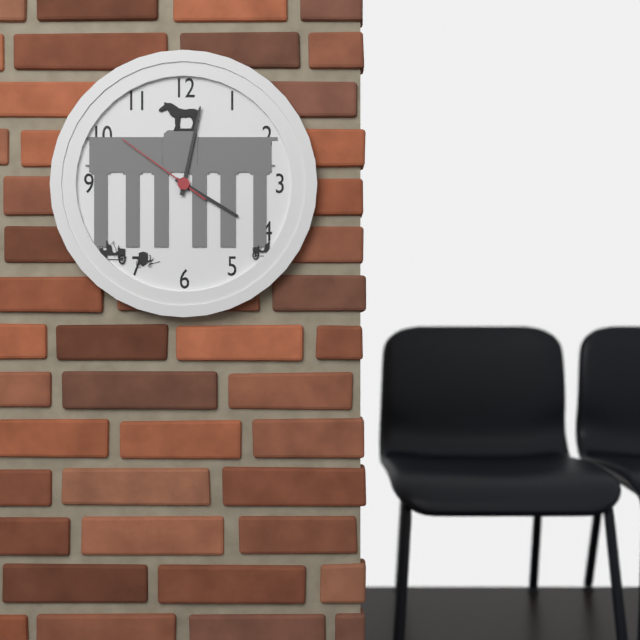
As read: 4:02:51
